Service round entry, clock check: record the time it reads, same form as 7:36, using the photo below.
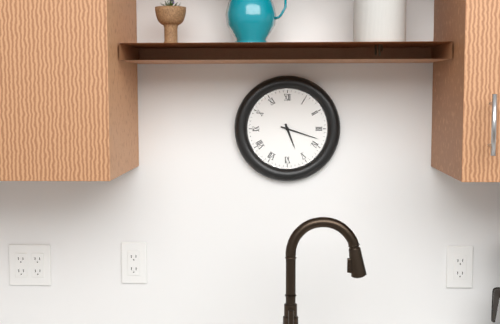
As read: 5:18
